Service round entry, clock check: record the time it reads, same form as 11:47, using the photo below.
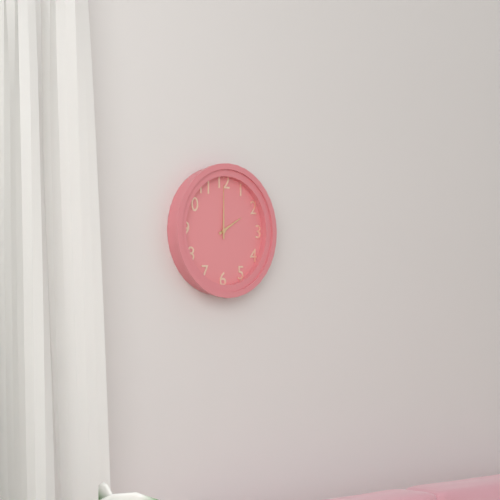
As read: 2:00
